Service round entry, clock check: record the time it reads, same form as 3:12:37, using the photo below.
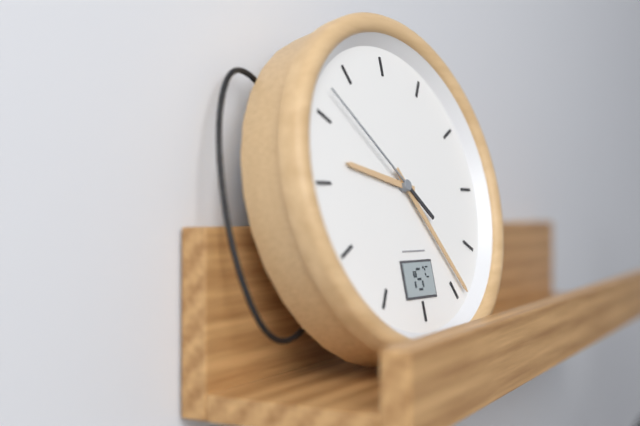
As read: 9:24:52
